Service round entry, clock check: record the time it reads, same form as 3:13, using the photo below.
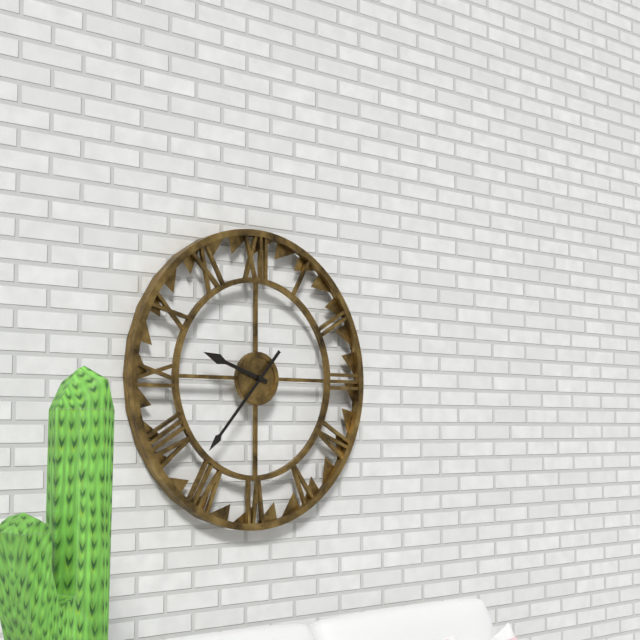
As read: 9:37
